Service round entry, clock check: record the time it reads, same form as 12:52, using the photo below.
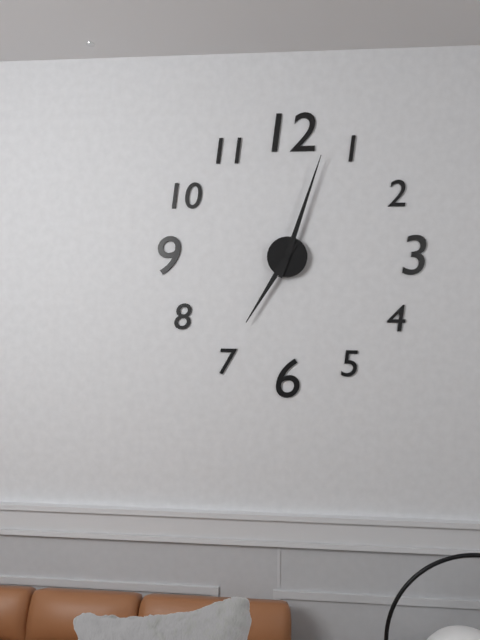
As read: 7:03
